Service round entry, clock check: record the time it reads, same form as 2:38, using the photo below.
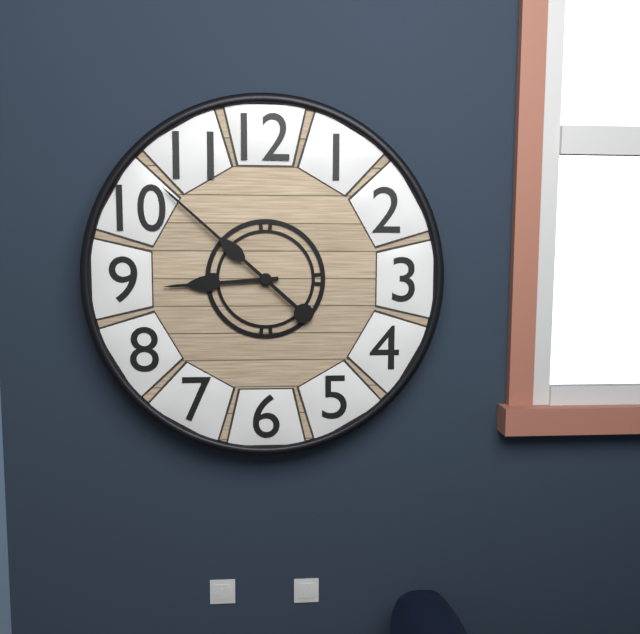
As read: 8:52
